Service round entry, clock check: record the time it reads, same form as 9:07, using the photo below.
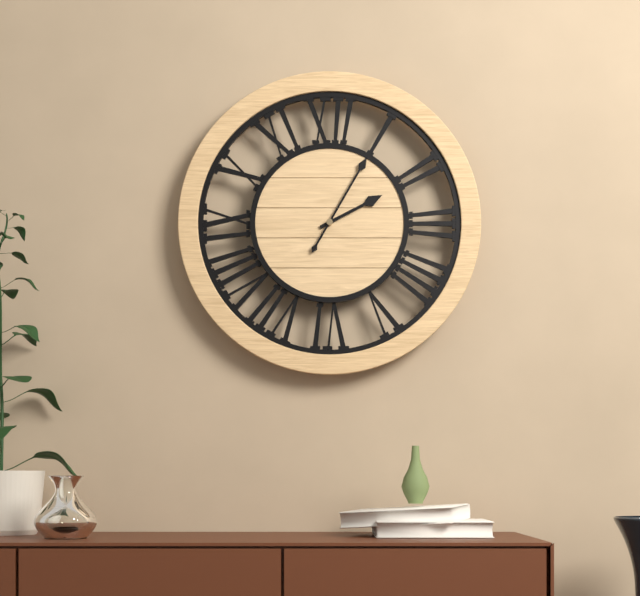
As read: 2:05
